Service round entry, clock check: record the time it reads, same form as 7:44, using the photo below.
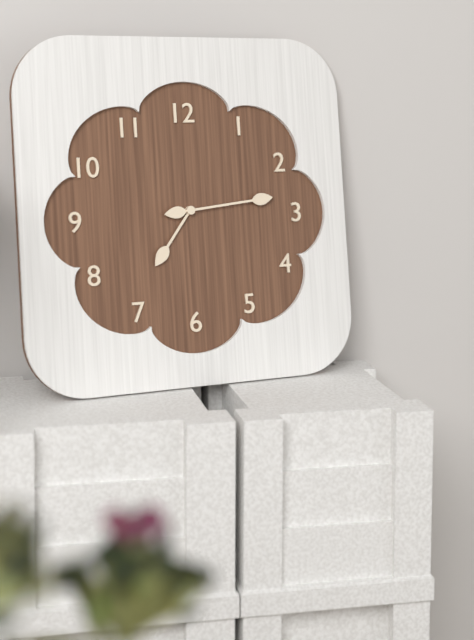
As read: 7:14
